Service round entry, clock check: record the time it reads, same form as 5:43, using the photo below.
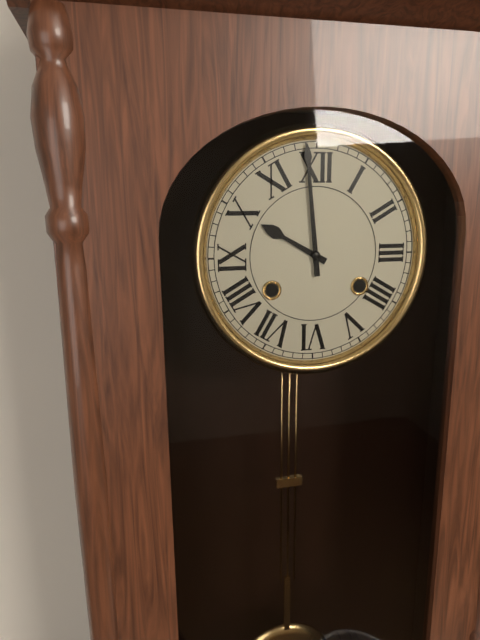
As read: 9:59
